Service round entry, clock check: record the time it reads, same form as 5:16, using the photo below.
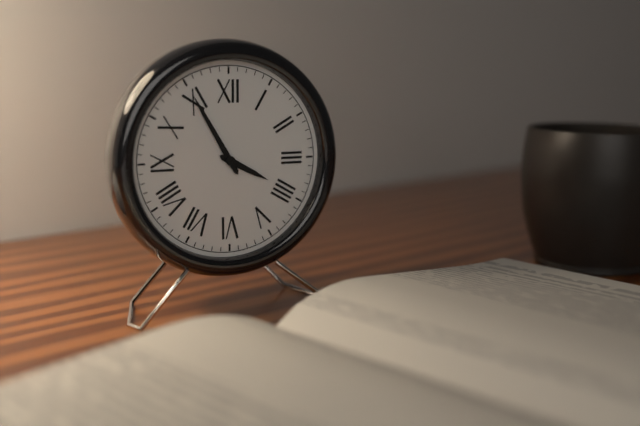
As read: 3:55
